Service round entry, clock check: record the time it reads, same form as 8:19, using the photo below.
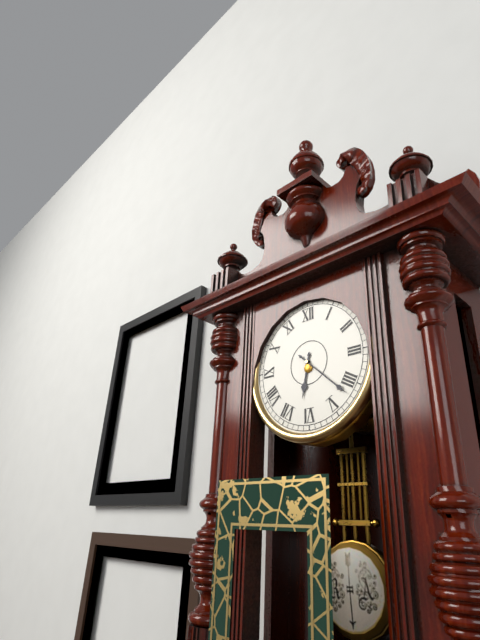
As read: 6:22
